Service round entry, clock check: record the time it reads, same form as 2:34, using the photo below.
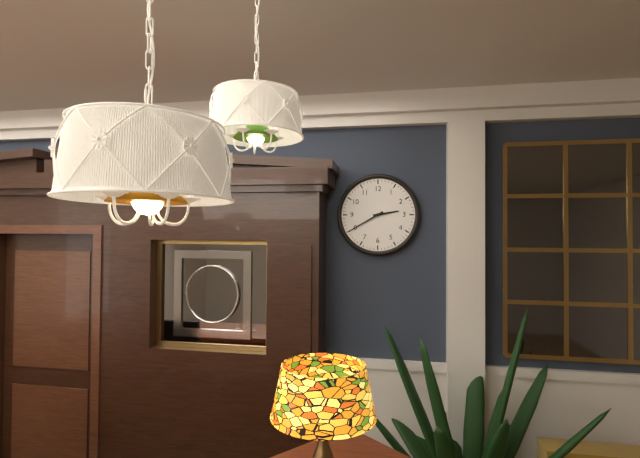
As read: 2:40
